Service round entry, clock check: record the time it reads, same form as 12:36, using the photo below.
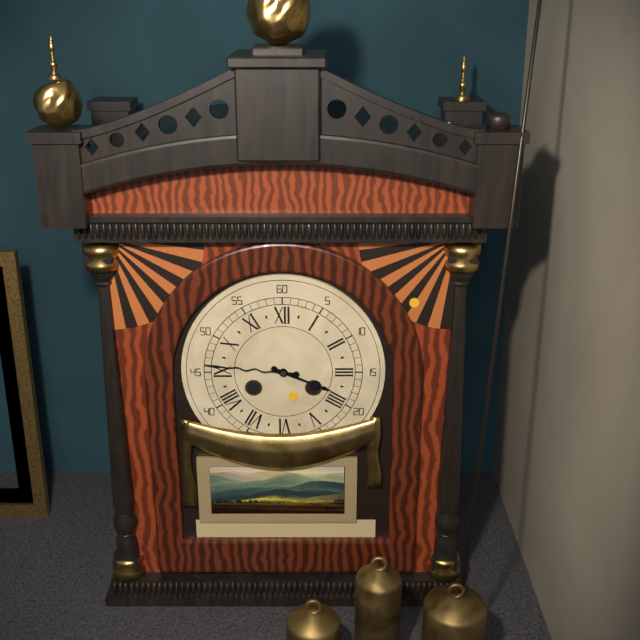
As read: 3:46
